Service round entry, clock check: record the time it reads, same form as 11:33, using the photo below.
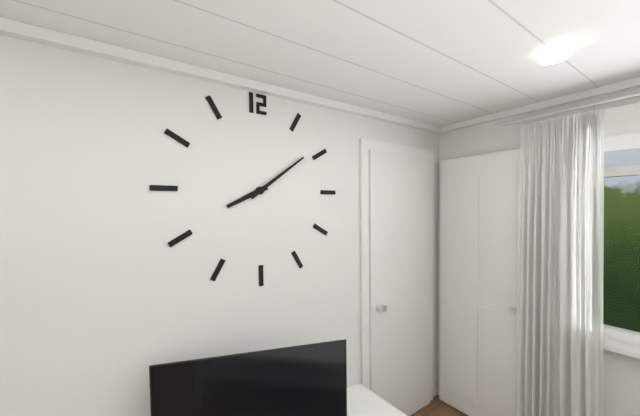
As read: 8:09
